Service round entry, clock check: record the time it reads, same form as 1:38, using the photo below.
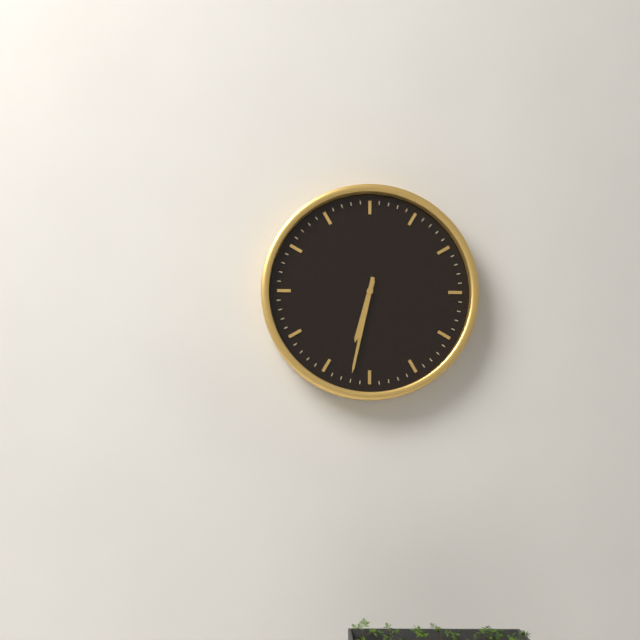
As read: 6:32
